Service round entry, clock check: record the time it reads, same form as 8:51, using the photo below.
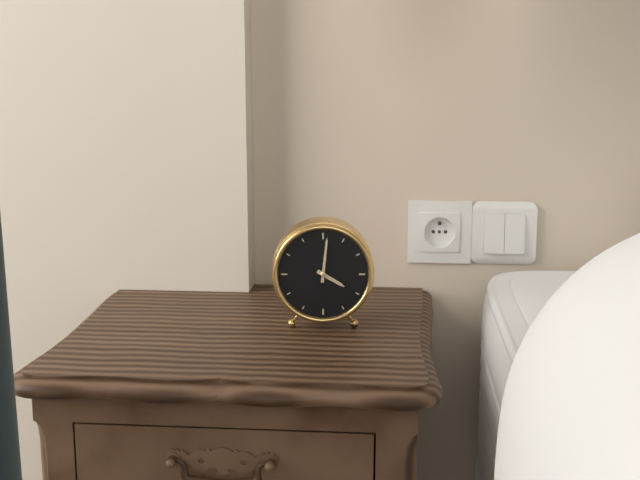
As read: 4:01
